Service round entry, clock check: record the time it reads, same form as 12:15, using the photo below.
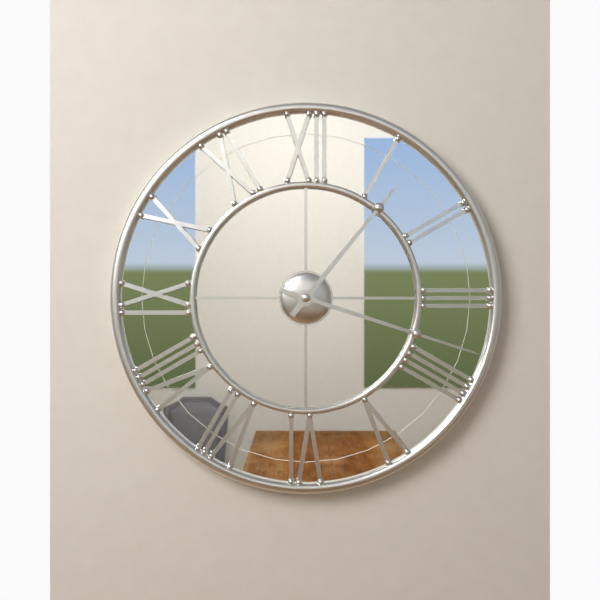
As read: 1:18
